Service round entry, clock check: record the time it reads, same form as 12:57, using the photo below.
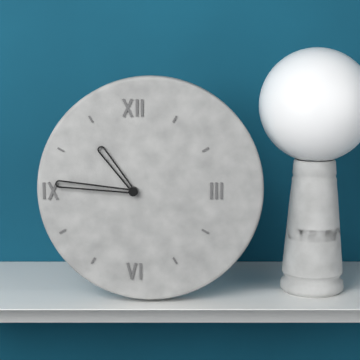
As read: 10:46
